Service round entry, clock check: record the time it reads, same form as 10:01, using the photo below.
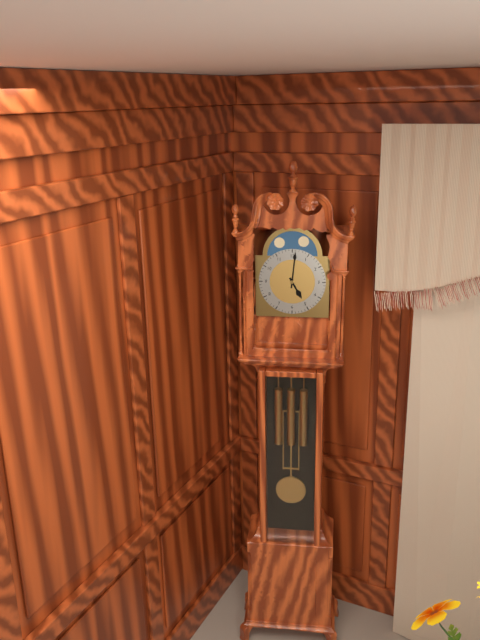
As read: 5:01
